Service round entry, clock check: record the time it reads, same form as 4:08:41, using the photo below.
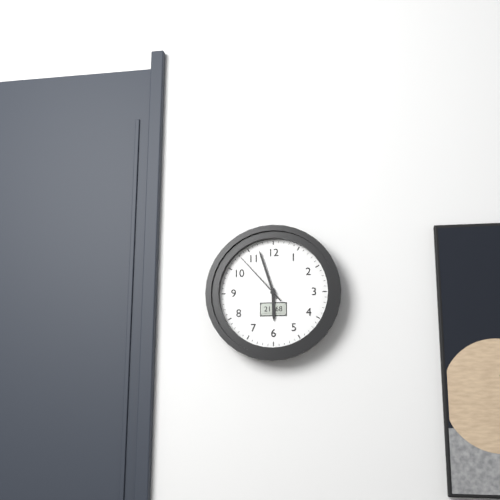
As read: 5:57:53
